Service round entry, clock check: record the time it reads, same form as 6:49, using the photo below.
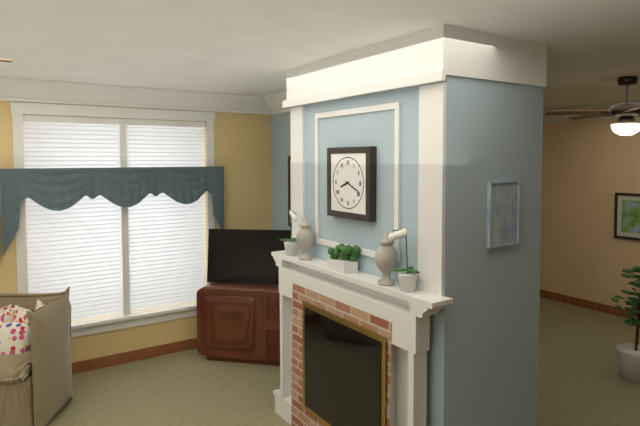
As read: 8:19
